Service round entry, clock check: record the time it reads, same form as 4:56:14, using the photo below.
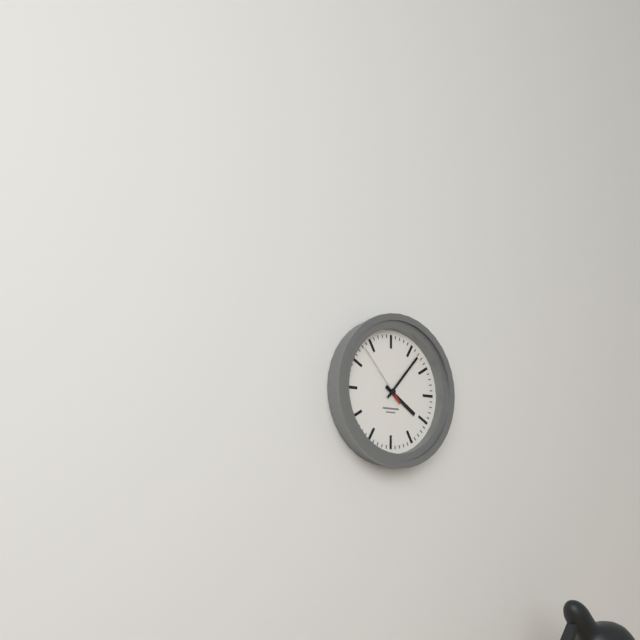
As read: 4:07:53
